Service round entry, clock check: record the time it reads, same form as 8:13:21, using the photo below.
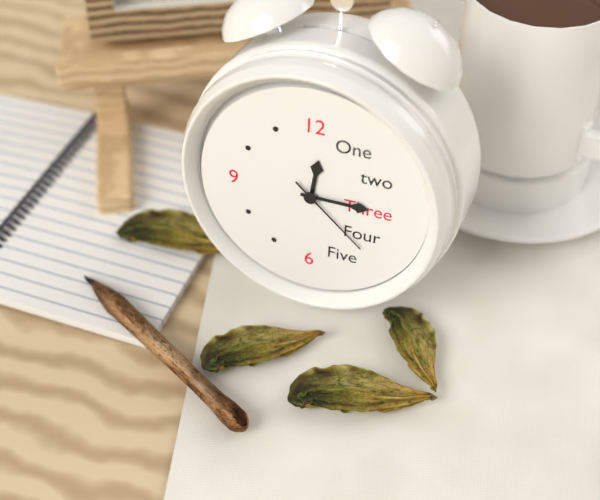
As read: 12:15:22
